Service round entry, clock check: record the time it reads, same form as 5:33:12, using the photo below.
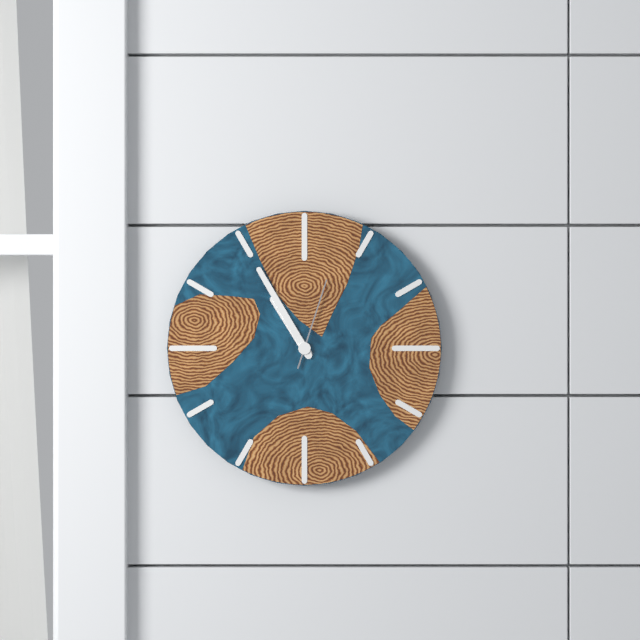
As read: 10:55:03
